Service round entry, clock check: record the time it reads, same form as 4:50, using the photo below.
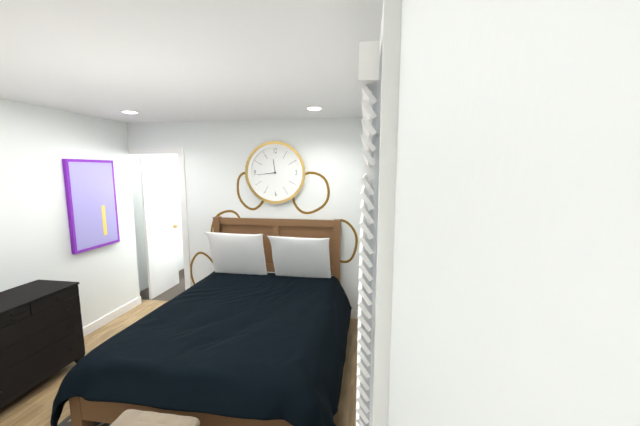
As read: 11:44
